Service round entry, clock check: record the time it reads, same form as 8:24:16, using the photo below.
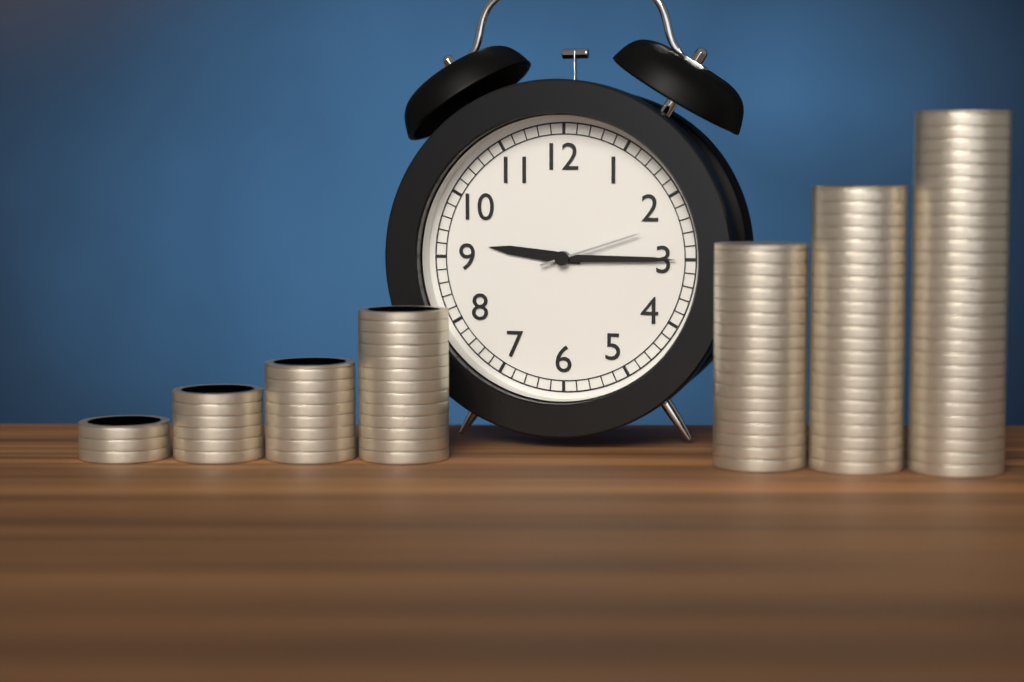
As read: 9:15:12
